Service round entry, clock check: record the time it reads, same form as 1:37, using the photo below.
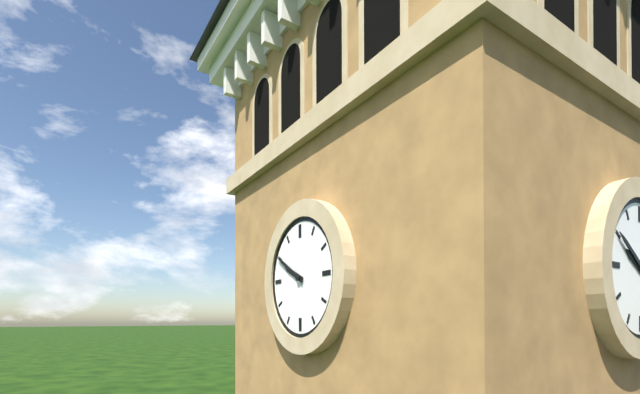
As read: 9:50
